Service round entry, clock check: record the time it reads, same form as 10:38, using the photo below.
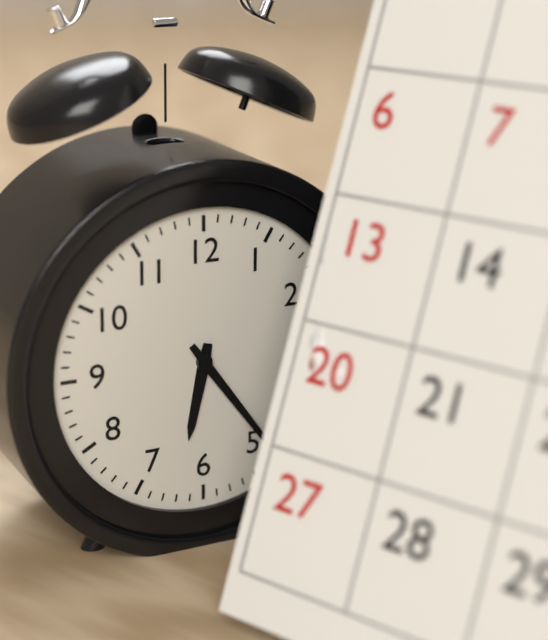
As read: 6:24
